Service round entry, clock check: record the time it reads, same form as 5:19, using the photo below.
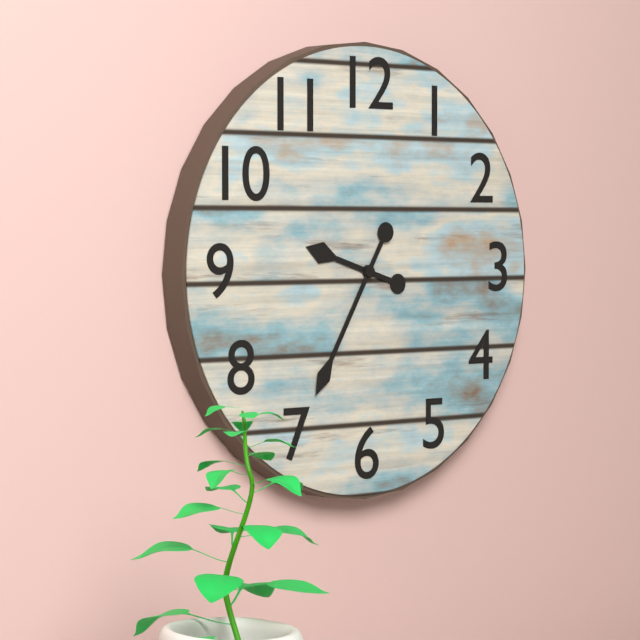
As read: 9:35
